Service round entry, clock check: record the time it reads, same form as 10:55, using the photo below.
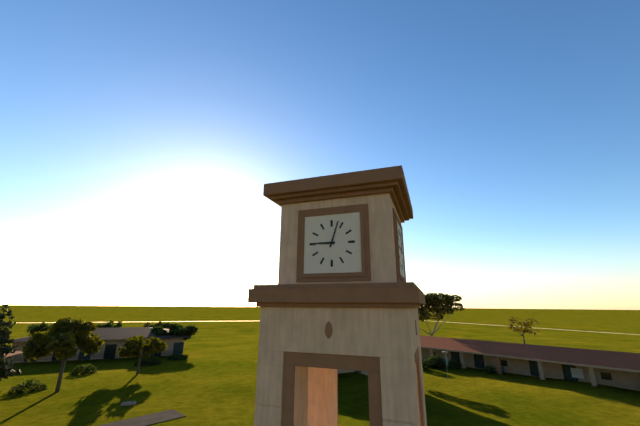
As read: 9:03
